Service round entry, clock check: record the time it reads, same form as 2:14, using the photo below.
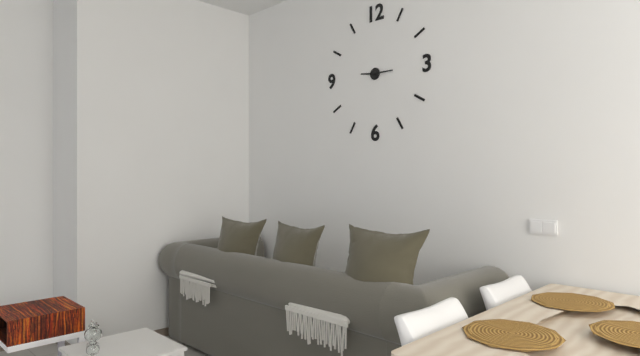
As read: 9:15
